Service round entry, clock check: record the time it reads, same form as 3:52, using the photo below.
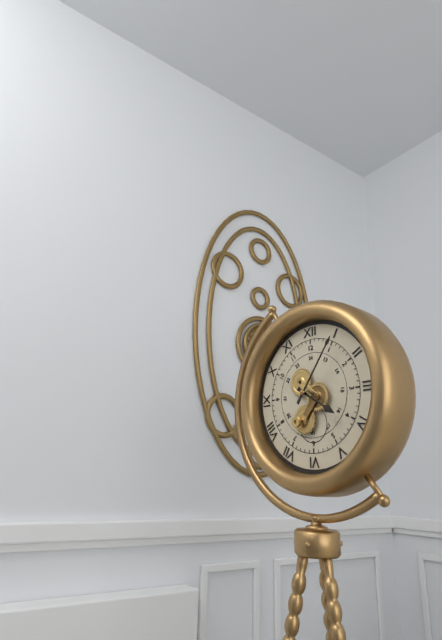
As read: 4:06
